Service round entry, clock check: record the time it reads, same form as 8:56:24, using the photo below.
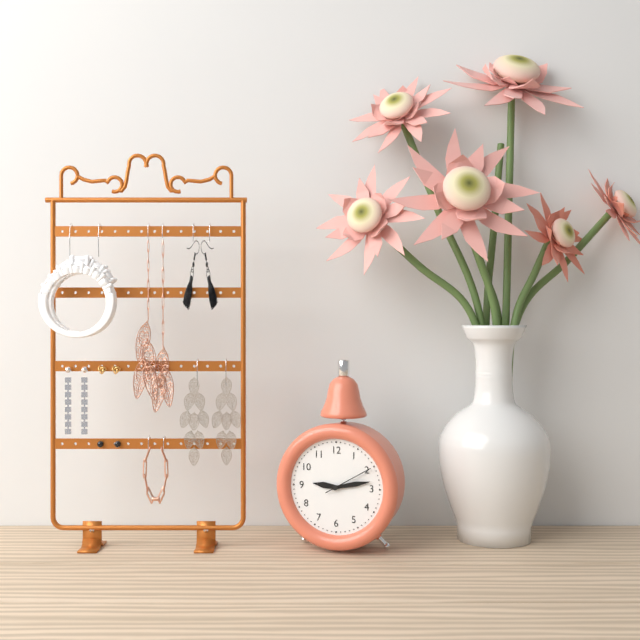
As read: 9:13:10
